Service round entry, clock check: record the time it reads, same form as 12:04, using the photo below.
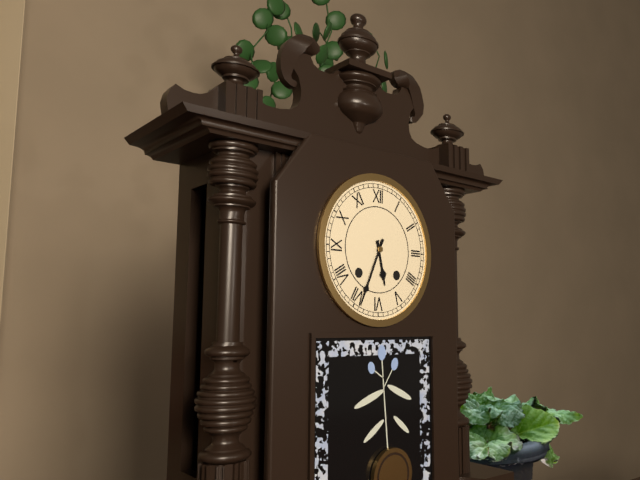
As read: 5:34
